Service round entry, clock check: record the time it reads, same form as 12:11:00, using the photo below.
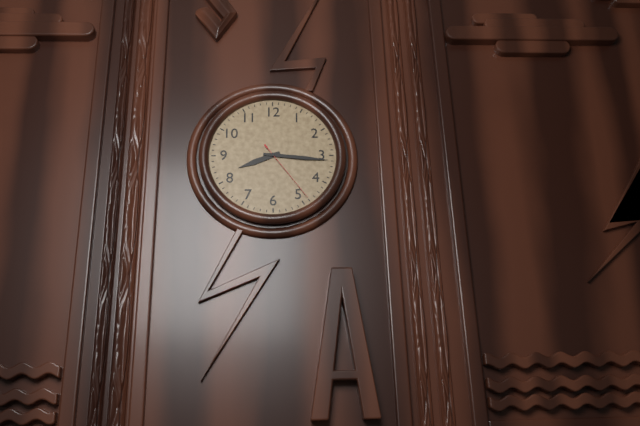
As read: 8:16:24
